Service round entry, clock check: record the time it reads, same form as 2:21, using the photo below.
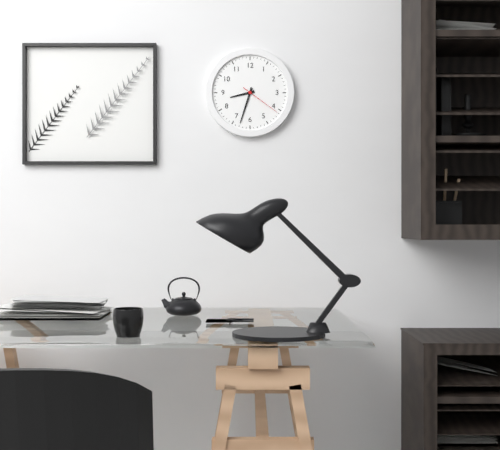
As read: 8:33
